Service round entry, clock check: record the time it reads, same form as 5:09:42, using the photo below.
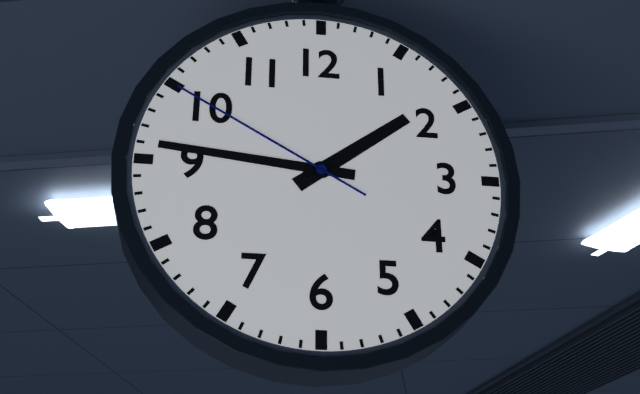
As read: 1:46:50
